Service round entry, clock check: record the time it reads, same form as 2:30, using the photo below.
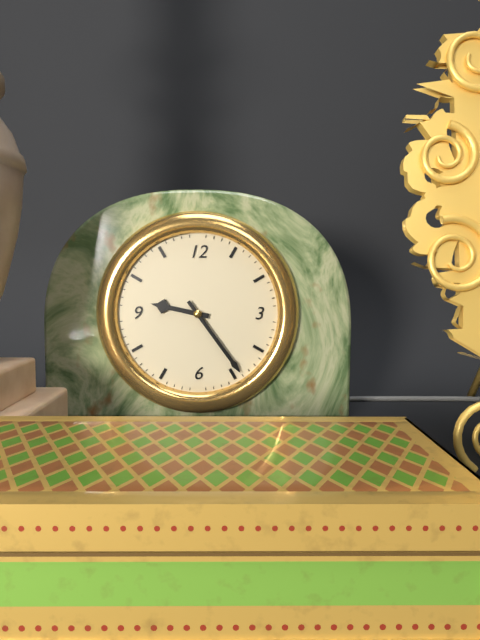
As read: 9:24
